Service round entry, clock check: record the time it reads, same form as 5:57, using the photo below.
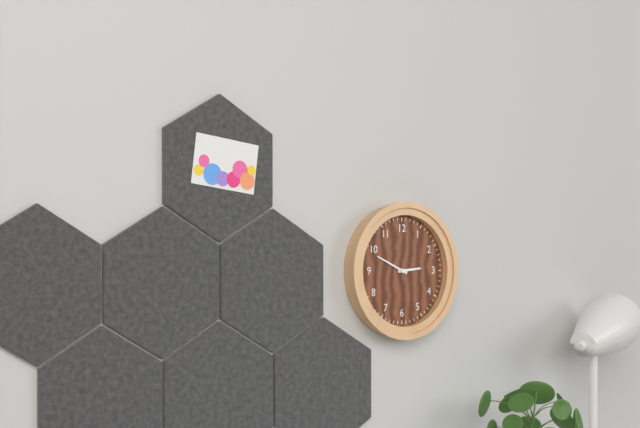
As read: 2:49
